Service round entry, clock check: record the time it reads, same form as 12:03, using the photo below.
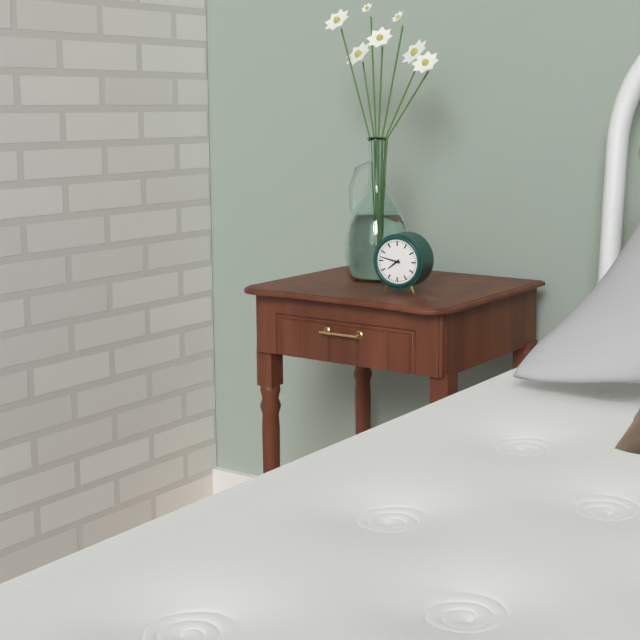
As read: 7:47
